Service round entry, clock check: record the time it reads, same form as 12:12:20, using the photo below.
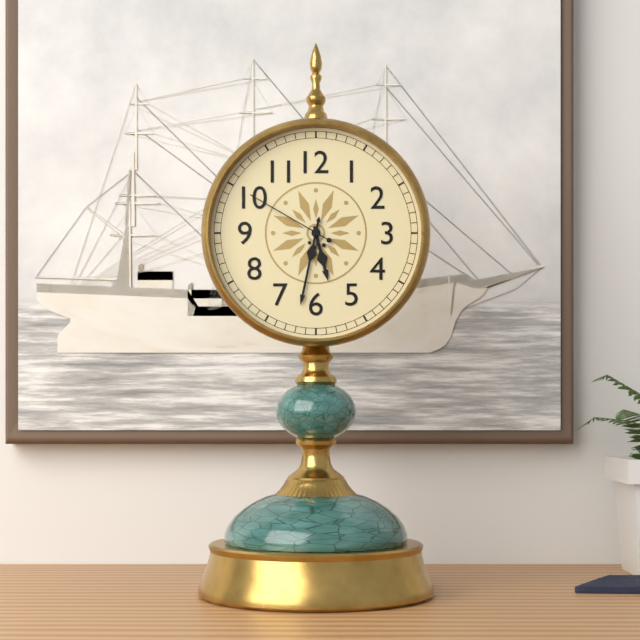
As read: 5:32:50
